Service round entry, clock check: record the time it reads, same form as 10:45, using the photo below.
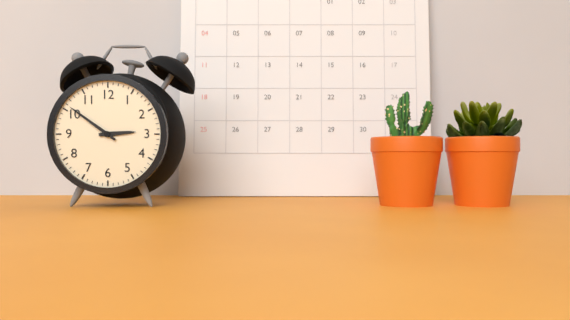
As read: 2:51
